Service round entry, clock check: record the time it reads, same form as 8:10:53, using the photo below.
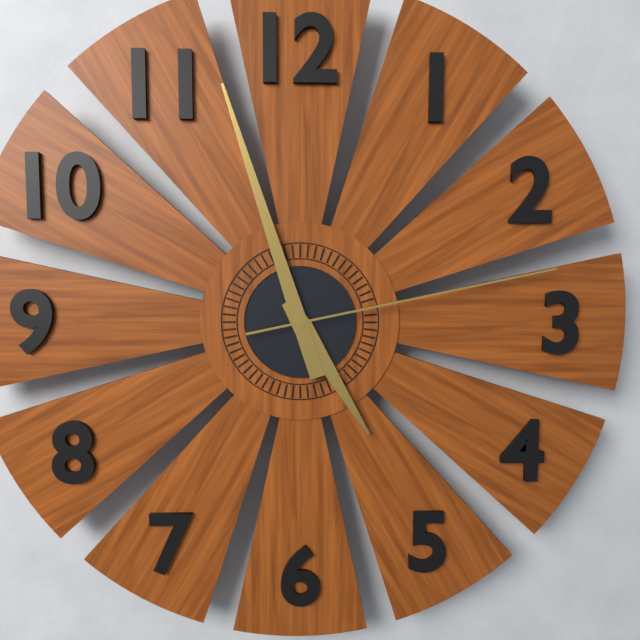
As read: 4:57:13
